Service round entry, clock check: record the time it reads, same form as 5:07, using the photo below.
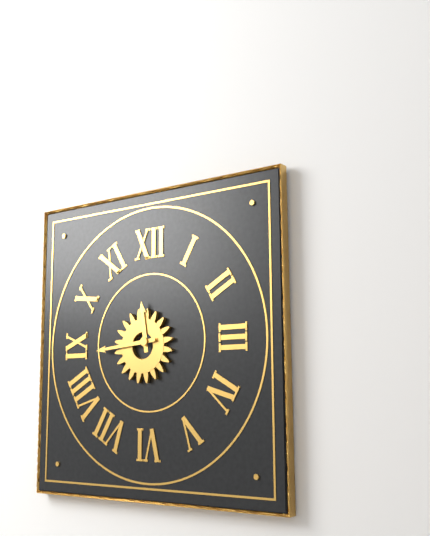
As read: 11:44
